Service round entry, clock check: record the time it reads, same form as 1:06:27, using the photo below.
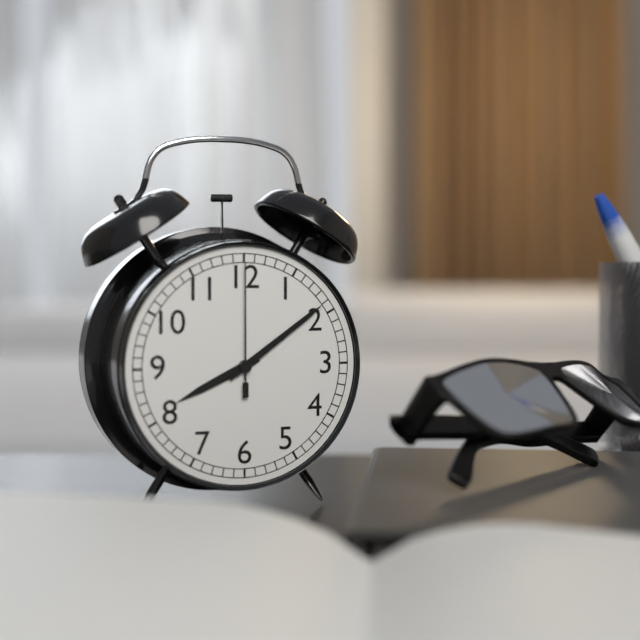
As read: 8:09:00
